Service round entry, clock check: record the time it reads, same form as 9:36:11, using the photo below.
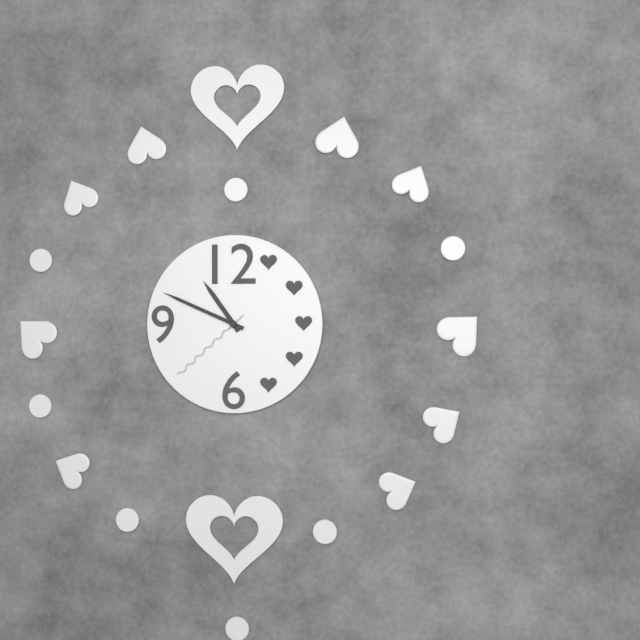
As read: 10:49:38
